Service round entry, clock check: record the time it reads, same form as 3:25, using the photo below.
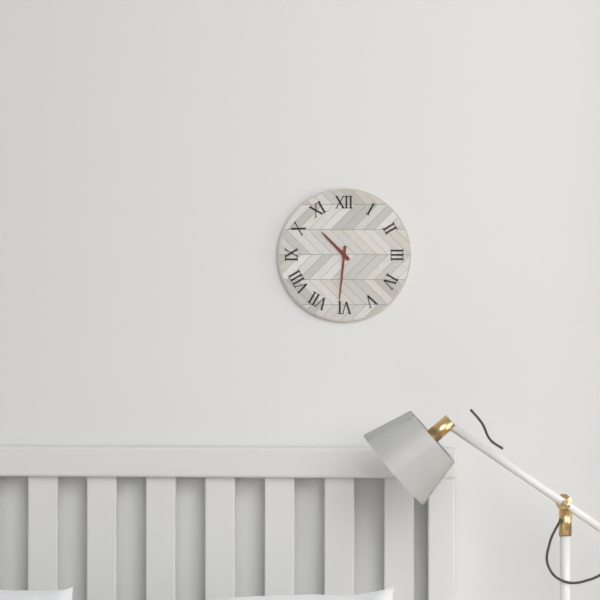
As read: 10:31
